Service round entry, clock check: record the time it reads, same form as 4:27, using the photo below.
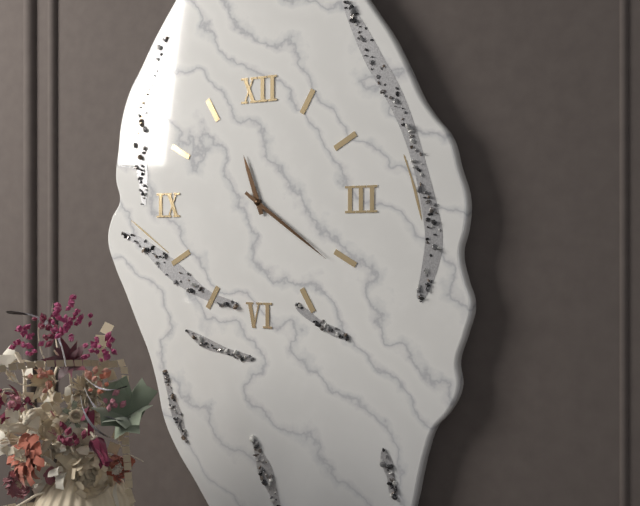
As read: 11:21
